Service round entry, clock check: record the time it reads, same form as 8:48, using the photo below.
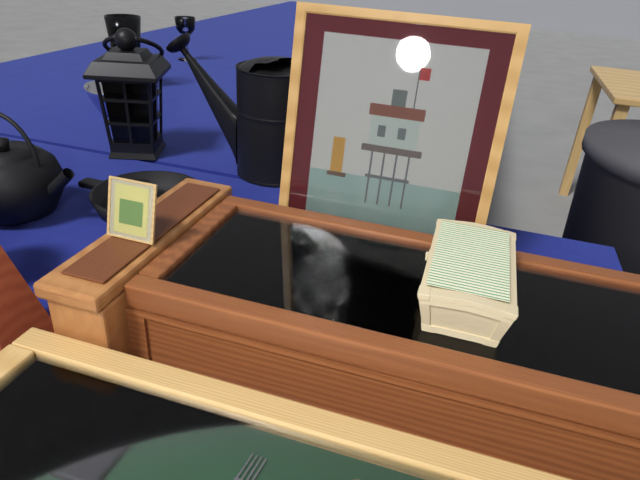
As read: 8:09
